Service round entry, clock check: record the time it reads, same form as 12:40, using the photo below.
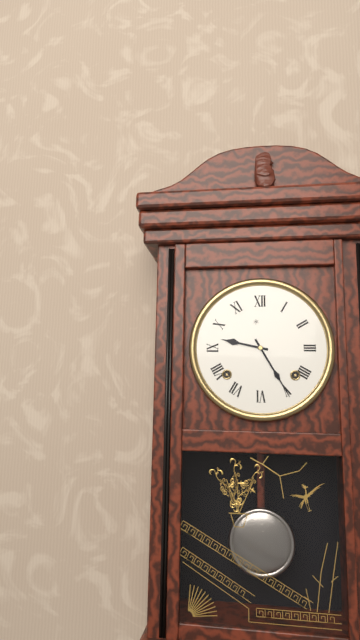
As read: 9:25
